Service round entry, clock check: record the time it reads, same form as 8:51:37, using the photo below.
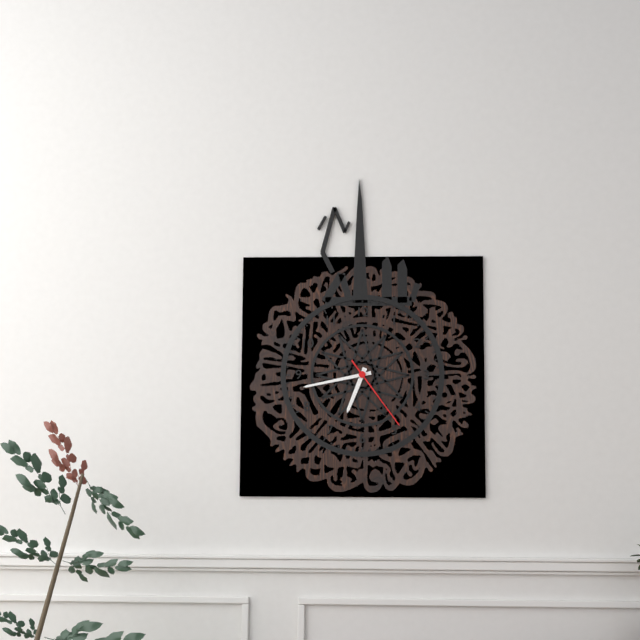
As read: 6:43:24
